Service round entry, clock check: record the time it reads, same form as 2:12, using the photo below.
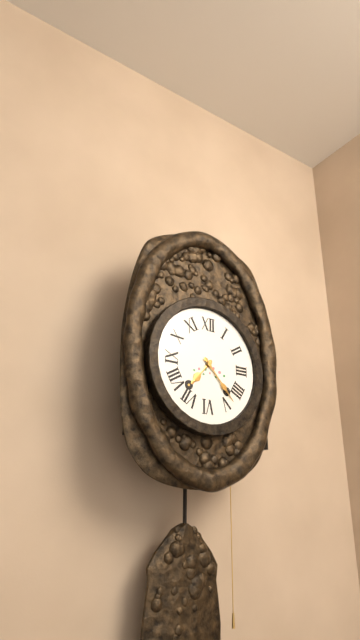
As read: 7:23
